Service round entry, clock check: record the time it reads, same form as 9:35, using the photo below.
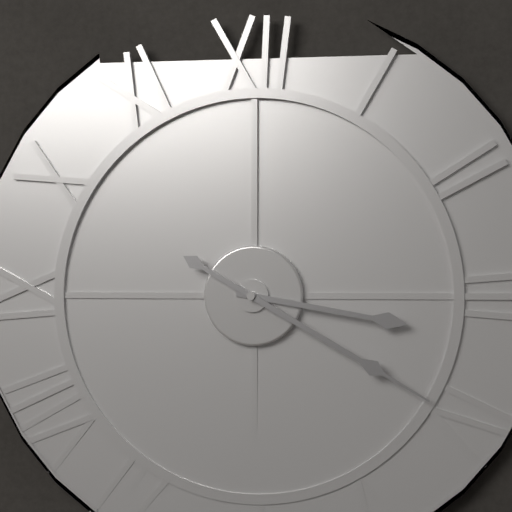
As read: 3:20
